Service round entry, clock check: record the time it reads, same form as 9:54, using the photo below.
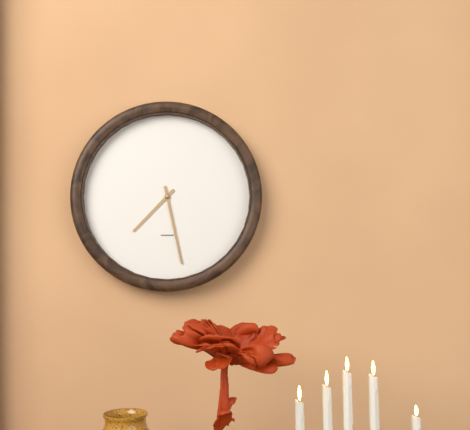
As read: 7:28
